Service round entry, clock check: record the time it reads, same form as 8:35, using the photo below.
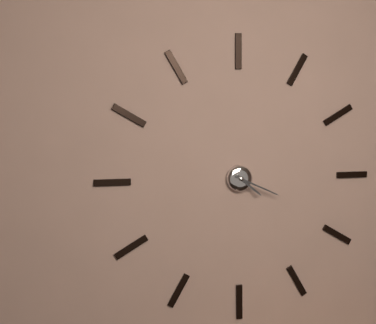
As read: 4:19
